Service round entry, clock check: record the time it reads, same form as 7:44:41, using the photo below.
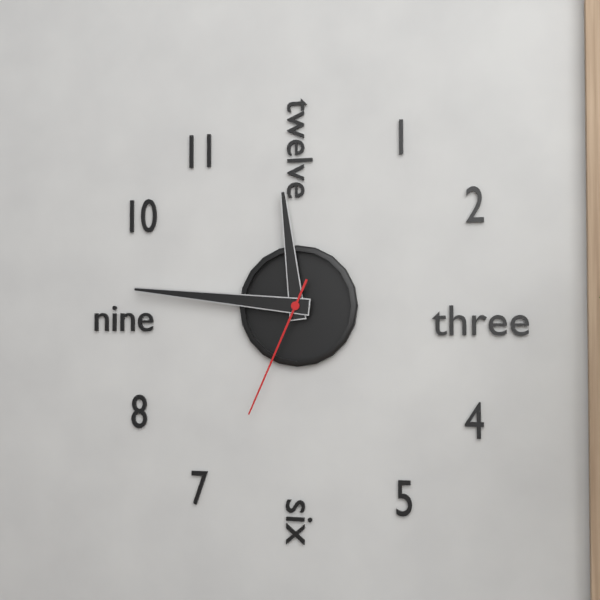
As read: 11:46:34
